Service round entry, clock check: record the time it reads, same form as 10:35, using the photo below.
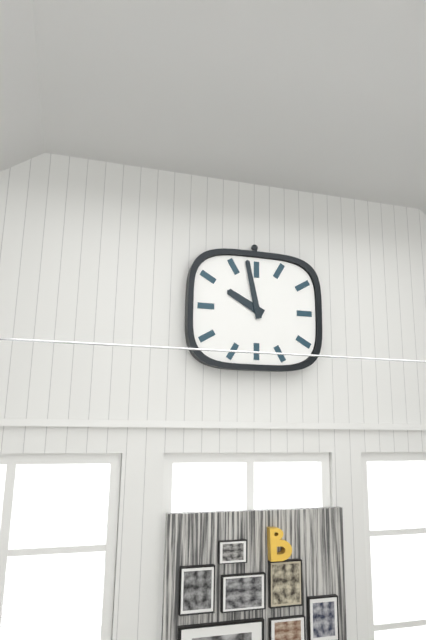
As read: 9:58
